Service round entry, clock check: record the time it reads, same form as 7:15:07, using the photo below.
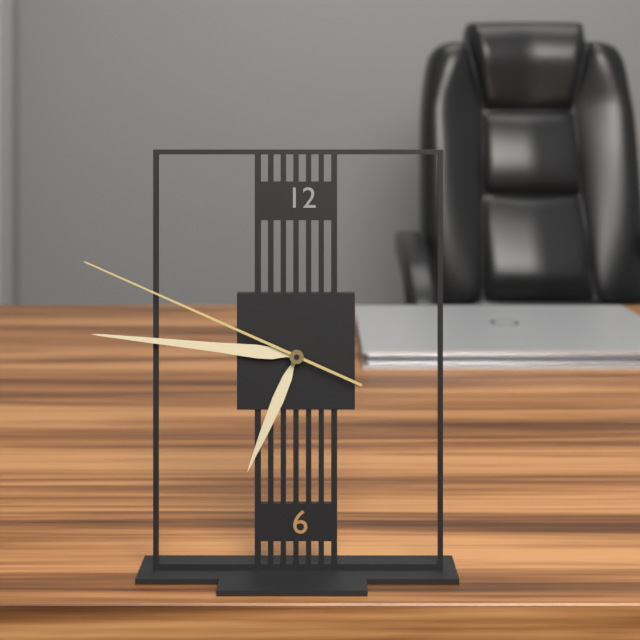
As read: 6:46:49
